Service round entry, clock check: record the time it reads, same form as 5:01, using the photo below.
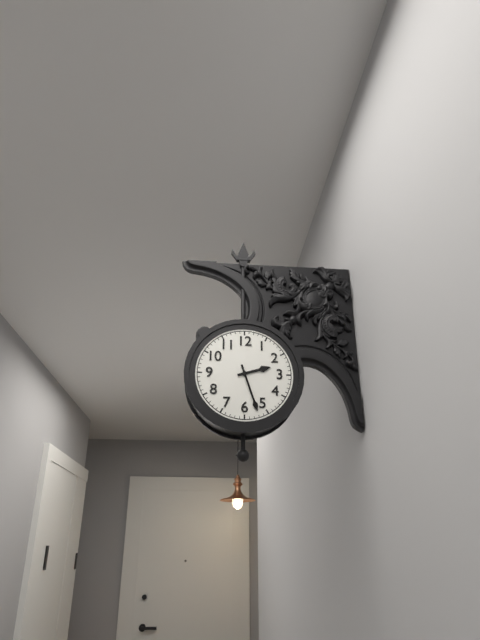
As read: 2:27
